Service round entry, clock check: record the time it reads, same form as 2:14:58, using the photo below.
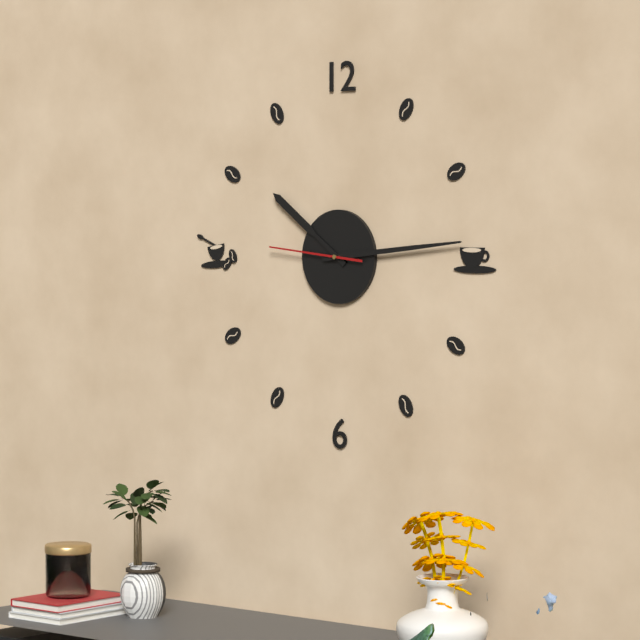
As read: 10:14:46
